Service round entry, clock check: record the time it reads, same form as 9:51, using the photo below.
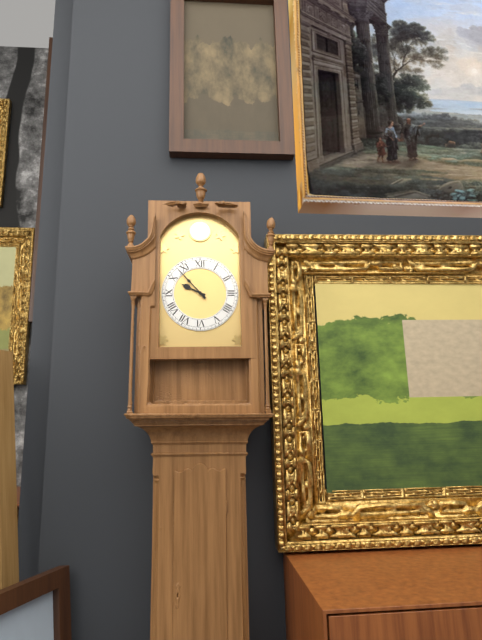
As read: 9:53
